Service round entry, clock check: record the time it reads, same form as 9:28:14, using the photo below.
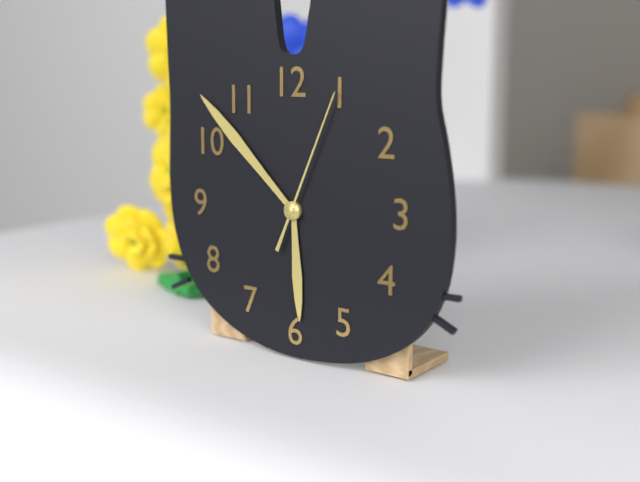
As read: 5:52:04
